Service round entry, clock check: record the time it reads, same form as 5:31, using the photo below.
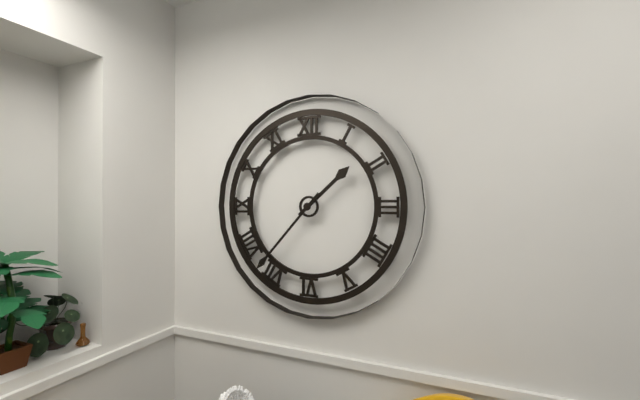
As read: 1:37
